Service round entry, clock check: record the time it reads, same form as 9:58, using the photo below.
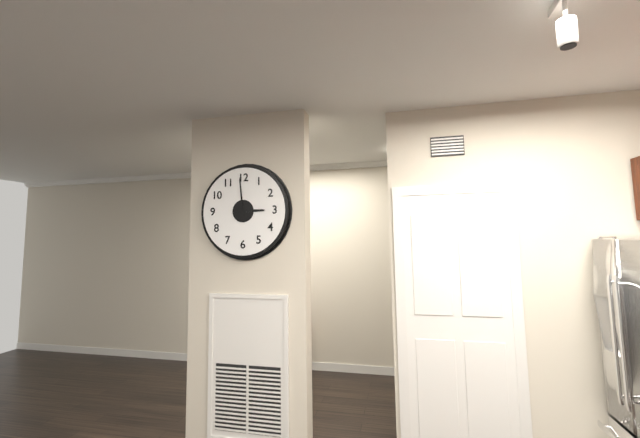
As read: 2:59
